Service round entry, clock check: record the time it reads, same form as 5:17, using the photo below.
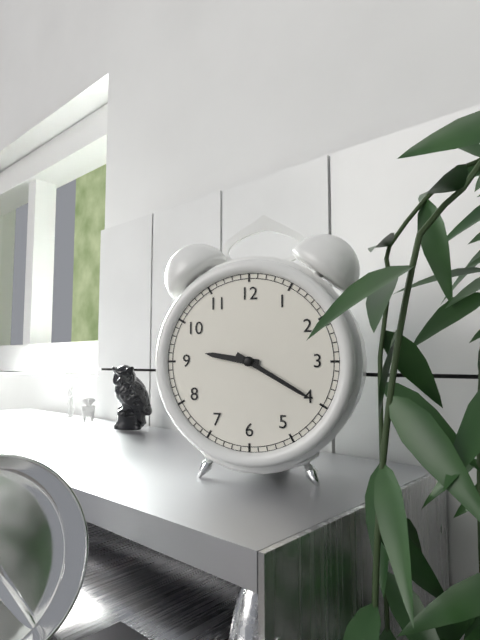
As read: 9:20
